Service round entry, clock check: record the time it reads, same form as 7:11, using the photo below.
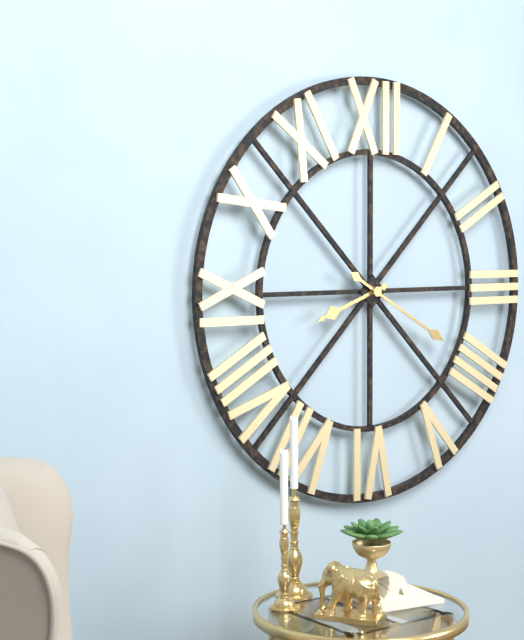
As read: 8:20
